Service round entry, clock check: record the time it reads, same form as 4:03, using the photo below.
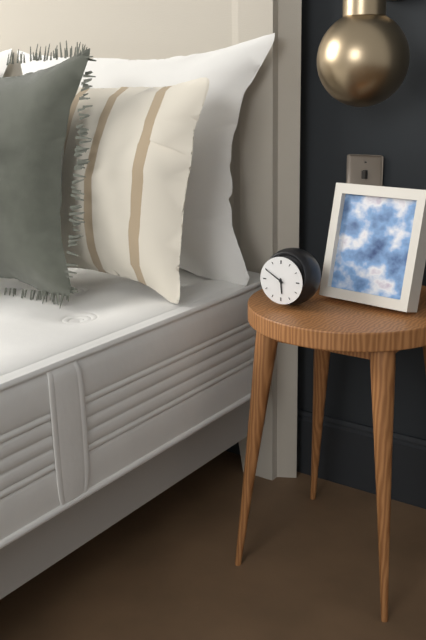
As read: 5:50
